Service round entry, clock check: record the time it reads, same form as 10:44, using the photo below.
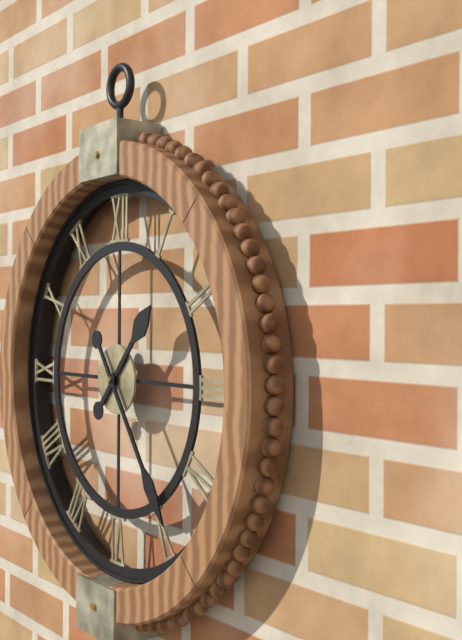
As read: 1:24
